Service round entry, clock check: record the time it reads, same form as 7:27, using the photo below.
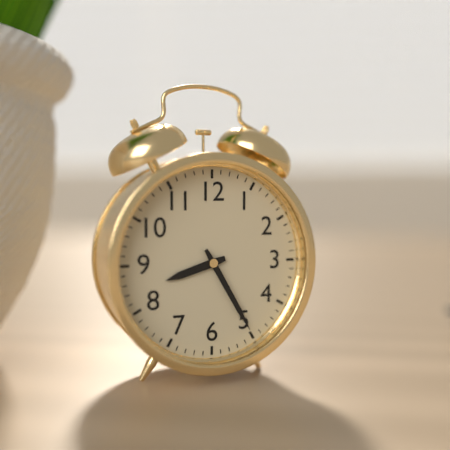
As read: 8:25
